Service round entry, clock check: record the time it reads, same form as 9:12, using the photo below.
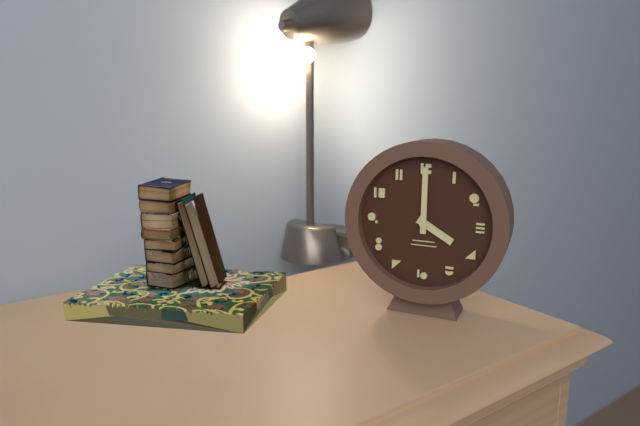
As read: 4:00
